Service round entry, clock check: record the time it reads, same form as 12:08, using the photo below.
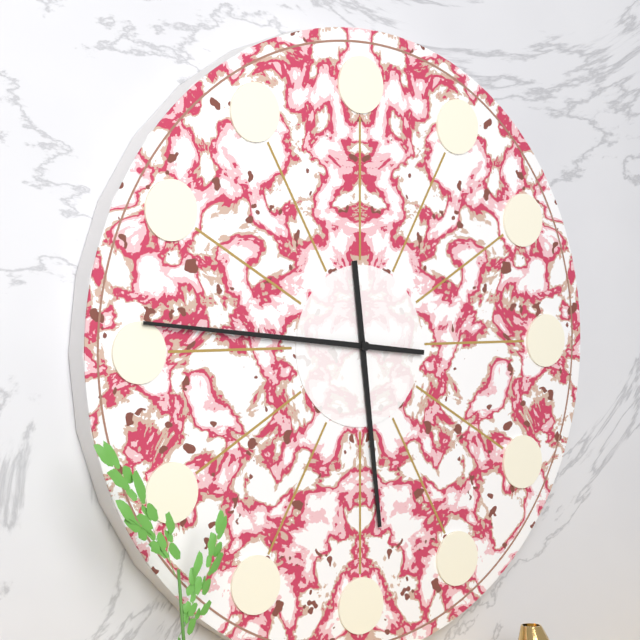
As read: 5:46
